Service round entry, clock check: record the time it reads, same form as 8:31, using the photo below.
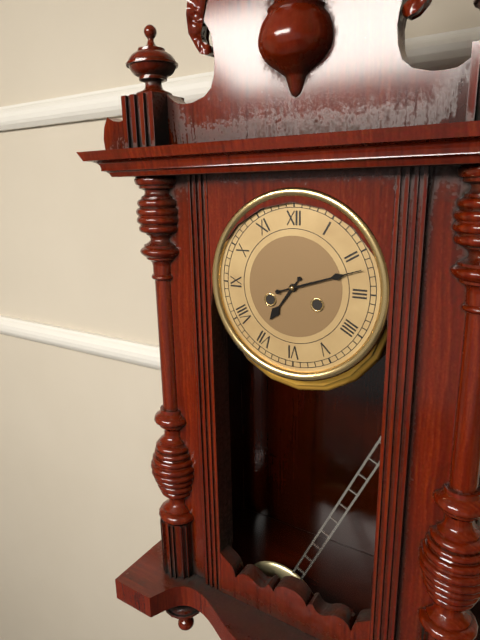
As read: 7:12
